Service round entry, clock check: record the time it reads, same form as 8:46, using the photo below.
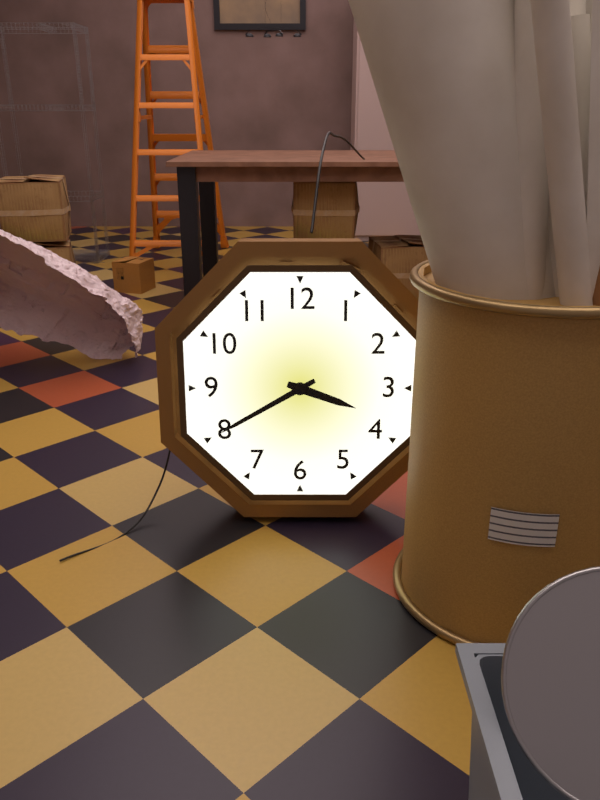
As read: 3:40
